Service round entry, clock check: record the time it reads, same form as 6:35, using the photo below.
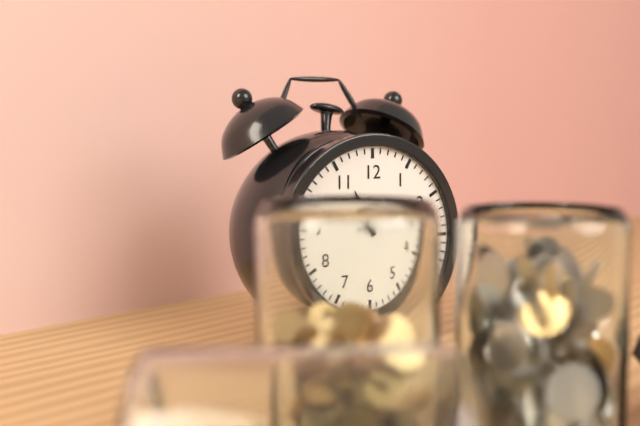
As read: 11:13
